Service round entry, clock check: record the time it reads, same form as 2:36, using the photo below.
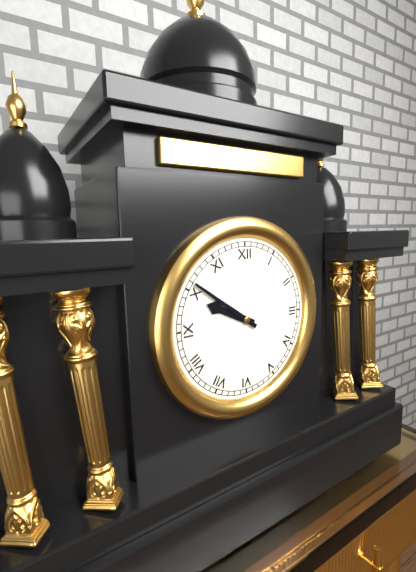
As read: 9:51
